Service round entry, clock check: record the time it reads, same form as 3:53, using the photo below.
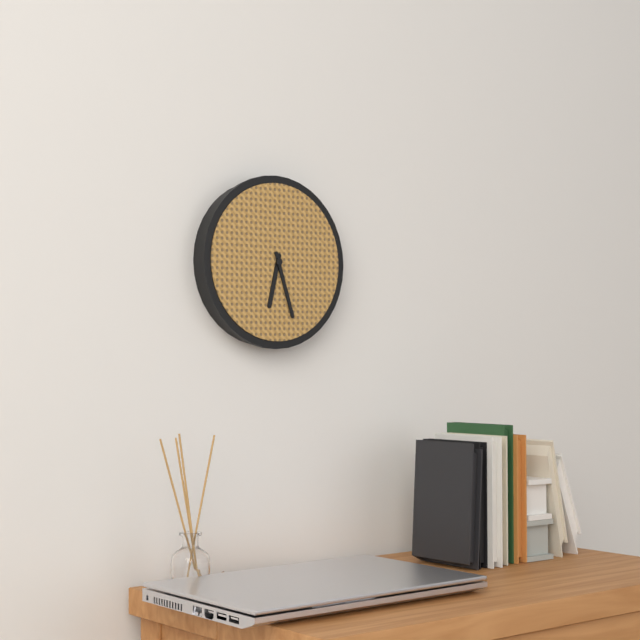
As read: 6:27
